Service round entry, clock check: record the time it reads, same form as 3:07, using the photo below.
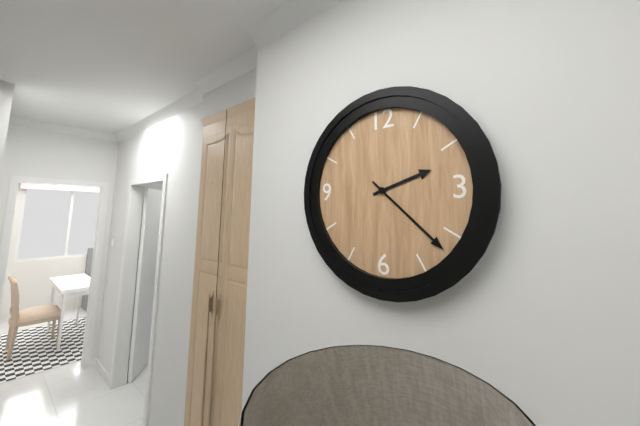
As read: 2:22
